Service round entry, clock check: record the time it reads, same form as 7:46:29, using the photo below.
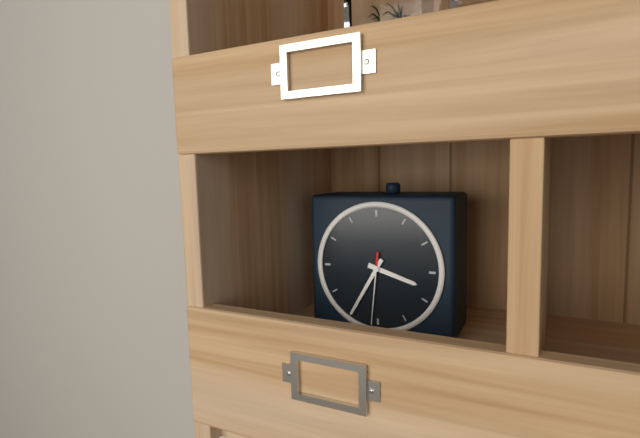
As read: 3:35:31
